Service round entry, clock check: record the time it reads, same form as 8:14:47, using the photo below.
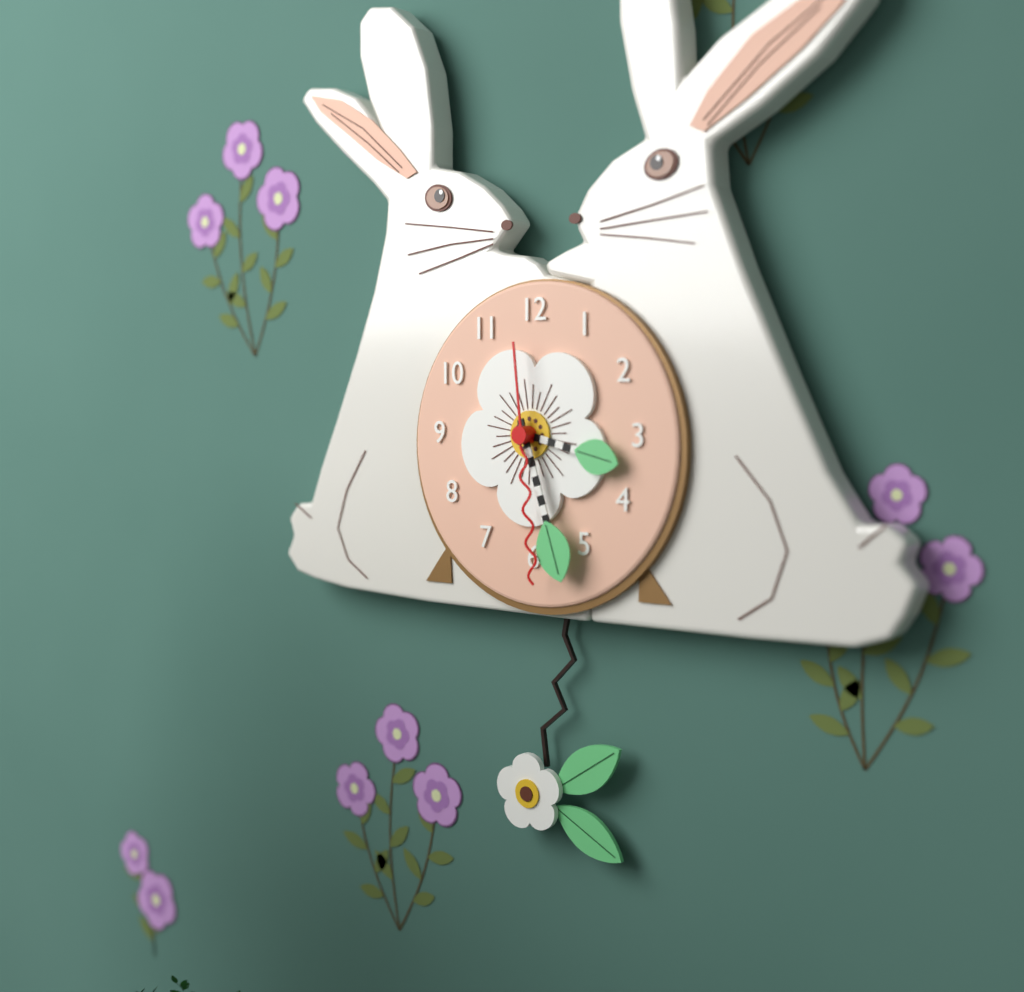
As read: 3:27:29
